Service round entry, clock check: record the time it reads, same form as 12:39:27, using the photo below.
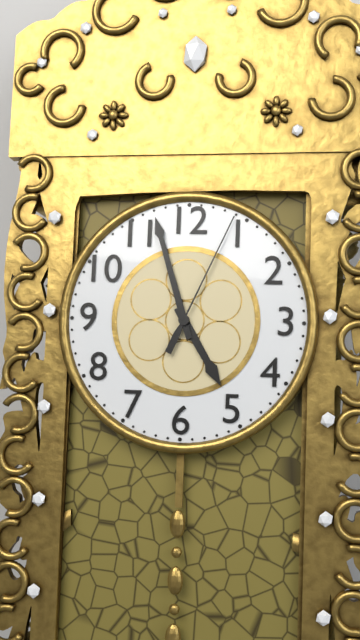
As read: 4:57:04
